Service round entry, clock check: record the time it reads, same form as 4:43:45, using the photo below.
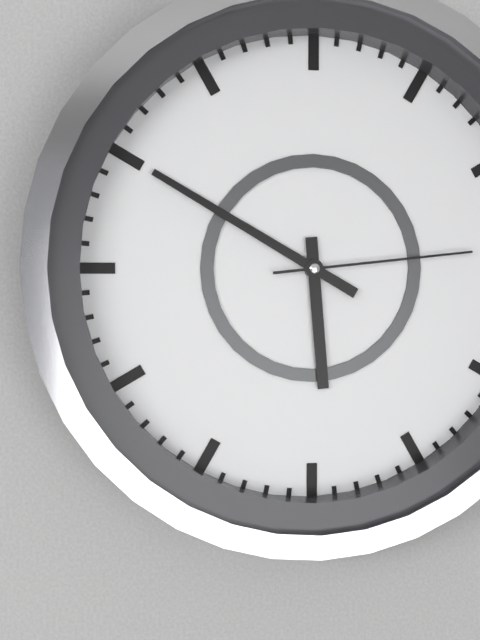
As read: 5:50:14
